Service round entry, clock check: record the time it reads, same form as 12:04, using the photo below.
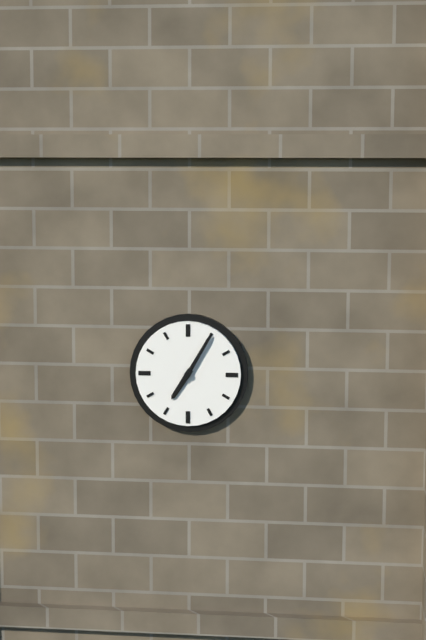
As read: 7:05
